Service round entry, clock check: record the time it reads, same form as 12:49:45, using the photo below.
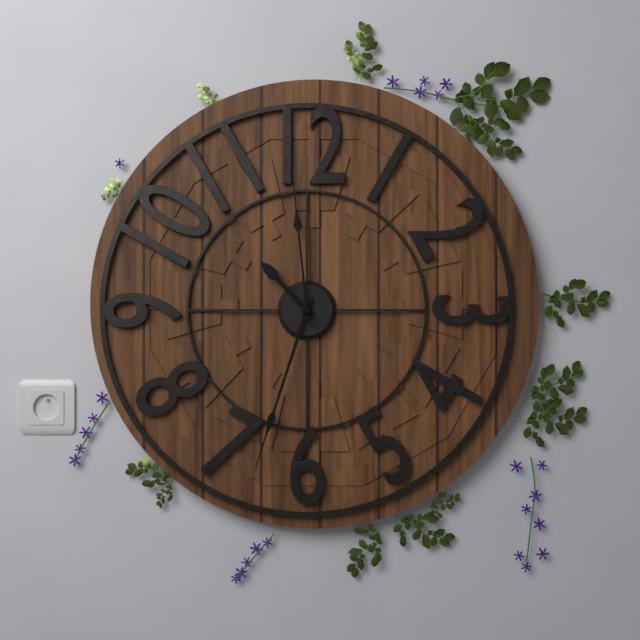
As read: 10:33:59
